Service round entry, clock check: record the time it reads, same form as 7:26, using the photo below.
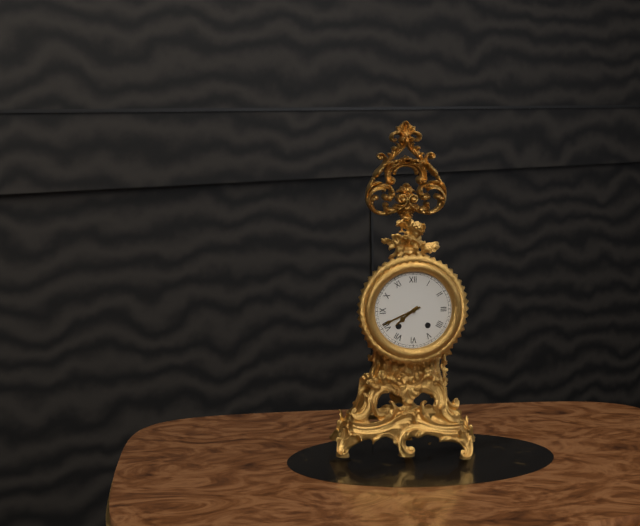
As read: 7:41
